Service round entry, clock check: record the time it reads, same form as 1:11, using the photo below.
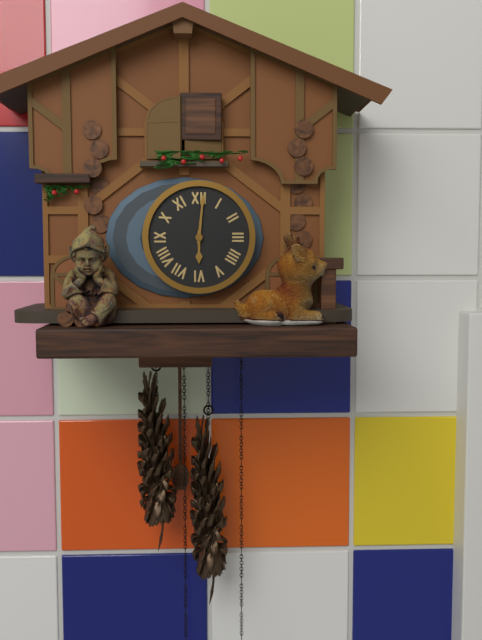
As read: 6:01
